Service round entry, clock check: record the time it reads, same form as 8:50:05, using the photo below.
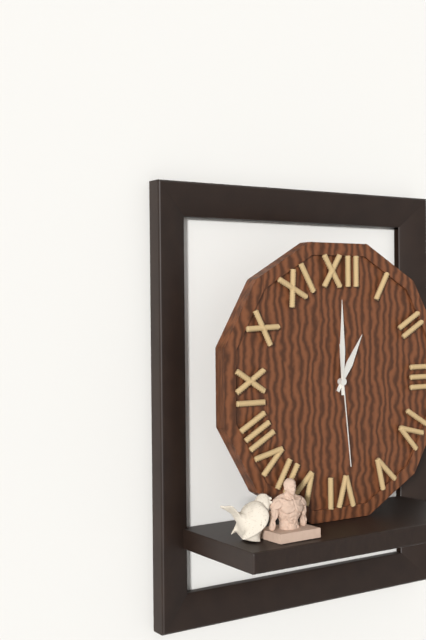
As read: 1:00:29
